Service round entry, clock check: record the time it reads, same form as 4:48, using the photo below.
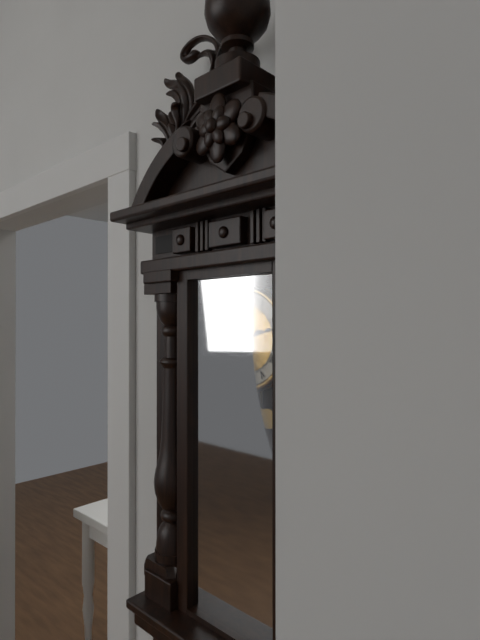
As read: 2:12
